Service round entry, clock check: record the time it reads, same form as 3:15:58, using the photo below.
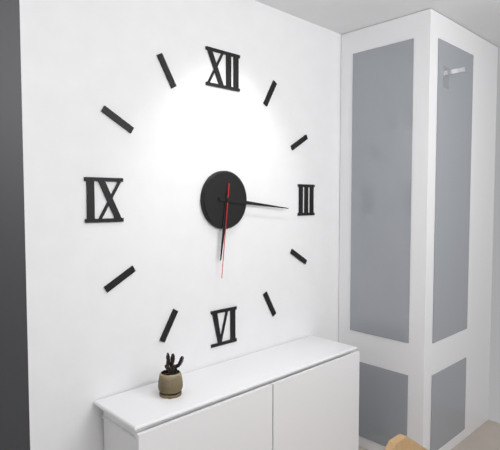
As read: 6:16:31
